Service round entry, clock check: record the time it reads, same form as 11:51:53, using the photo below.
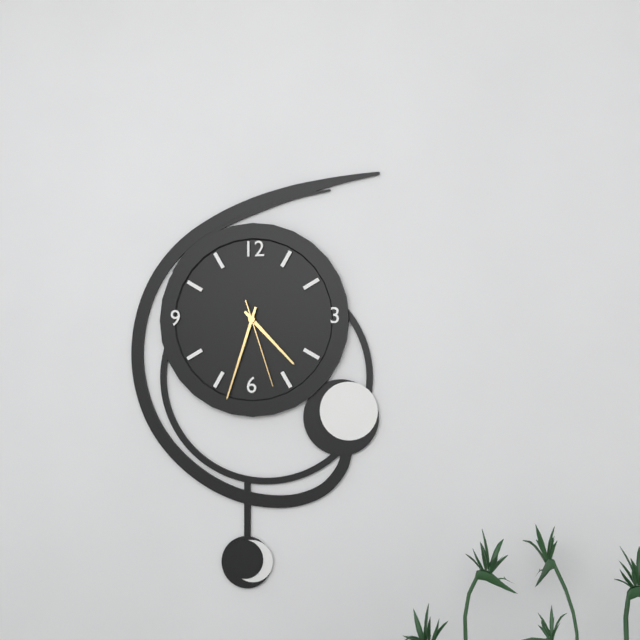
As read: 4:33:27
